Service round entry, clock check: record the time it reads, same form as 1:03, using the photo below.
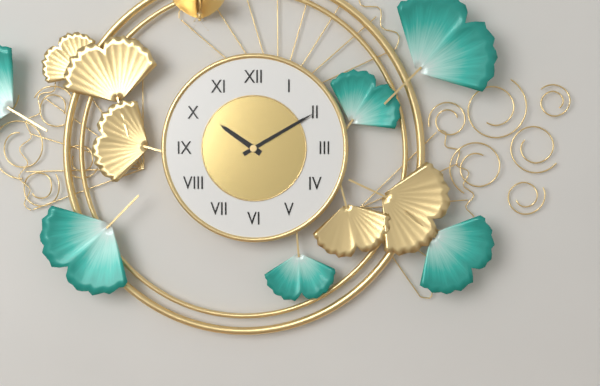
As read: 10:10
